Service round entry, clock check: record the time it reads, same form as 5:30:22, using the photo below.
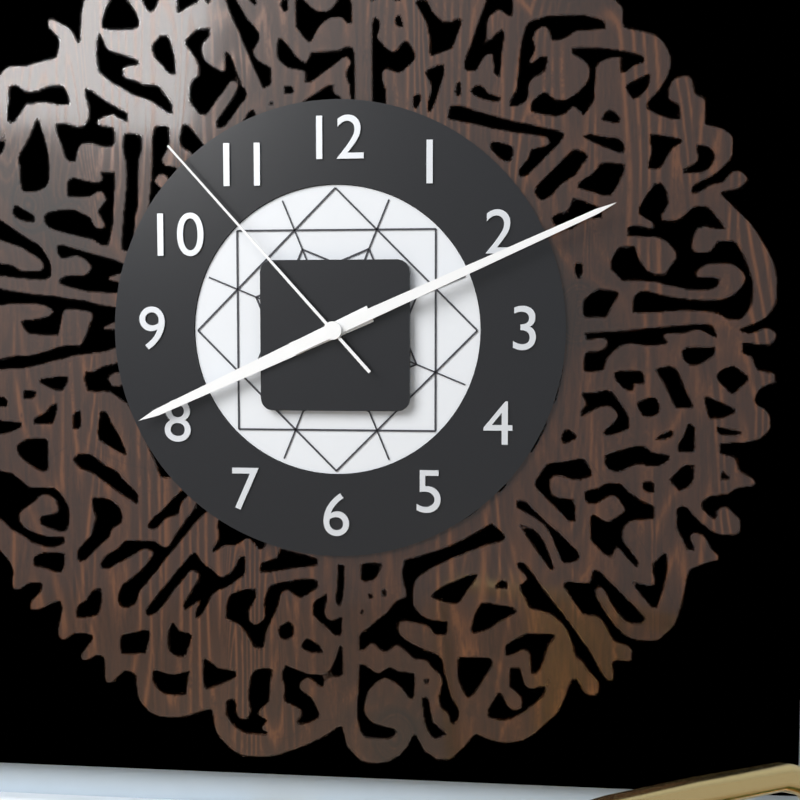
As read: 8:11:53
